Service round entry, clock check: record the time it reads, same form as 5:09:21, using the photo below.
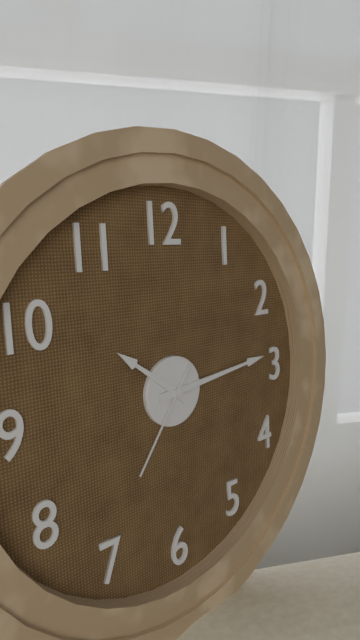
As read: 10:14:36
